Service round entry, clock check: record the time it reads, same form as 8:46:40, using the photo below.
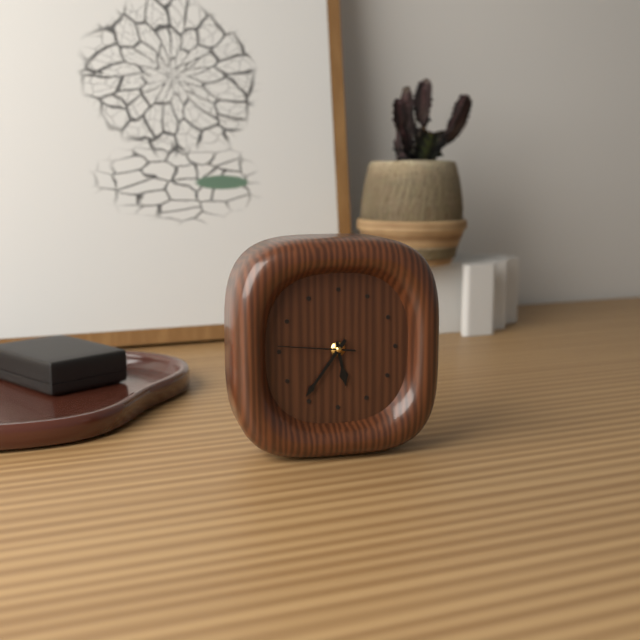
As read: 5:36:46
